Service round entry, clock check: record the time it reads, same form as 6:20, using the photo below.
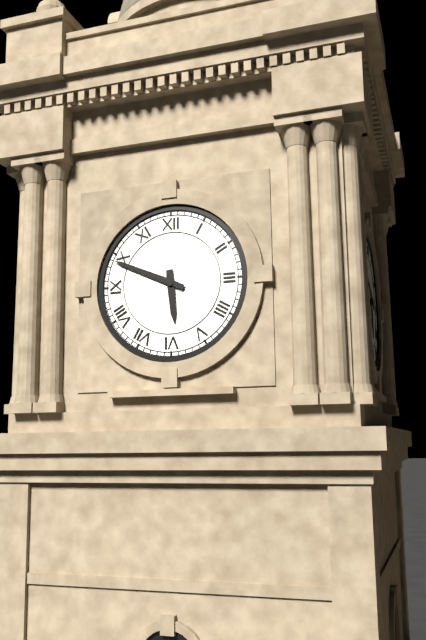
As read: 5:49
